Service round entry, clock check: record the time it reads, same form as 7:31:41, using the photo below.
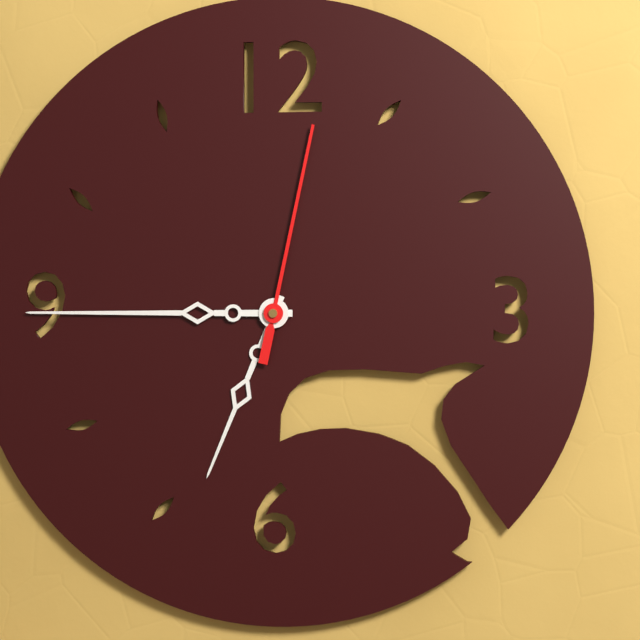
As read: 6:45:02
